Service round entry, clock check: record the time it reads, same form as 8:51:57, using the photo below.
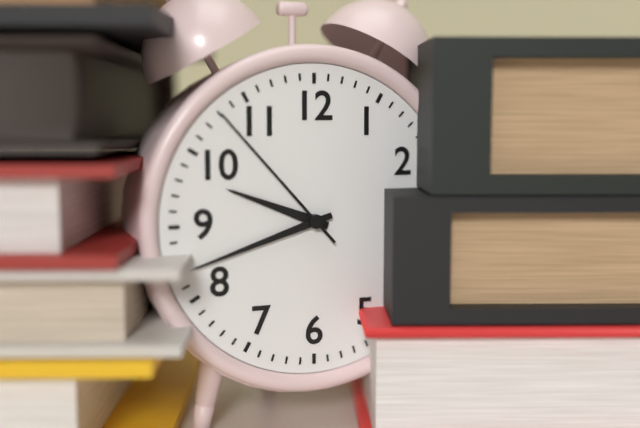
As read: 9:42:53
